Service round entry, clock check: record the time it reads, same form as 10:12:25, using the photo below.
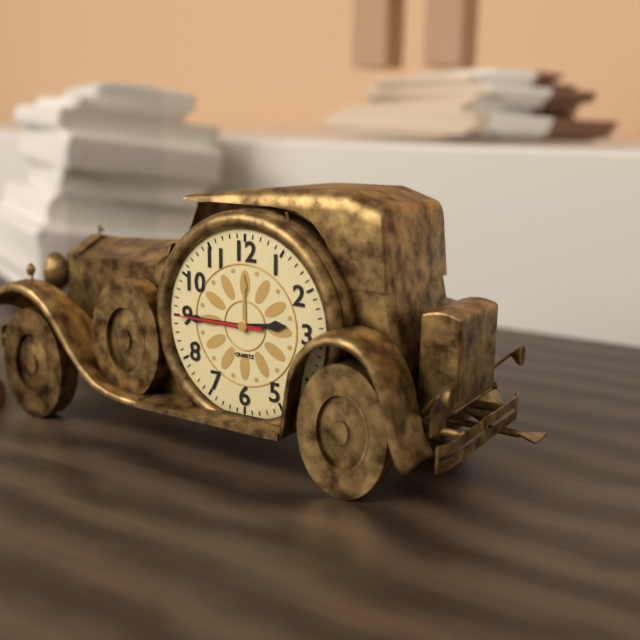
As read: 2:45:45
